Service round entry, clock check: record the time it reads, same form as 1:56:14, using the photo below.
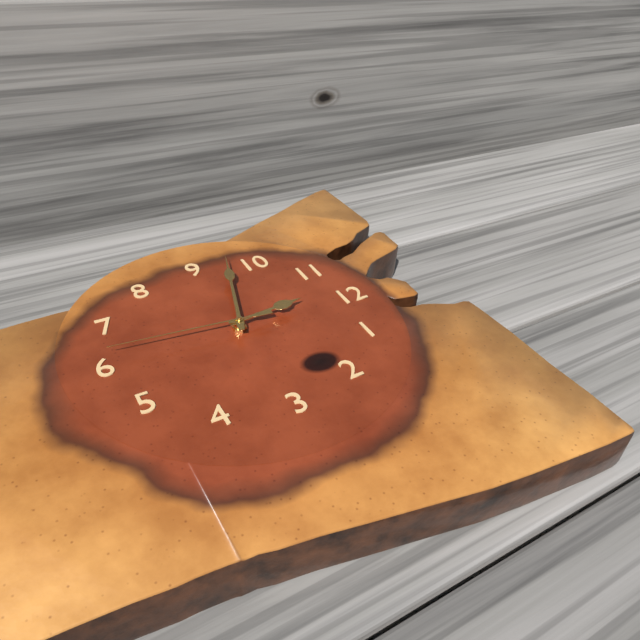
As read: 11:48:31
